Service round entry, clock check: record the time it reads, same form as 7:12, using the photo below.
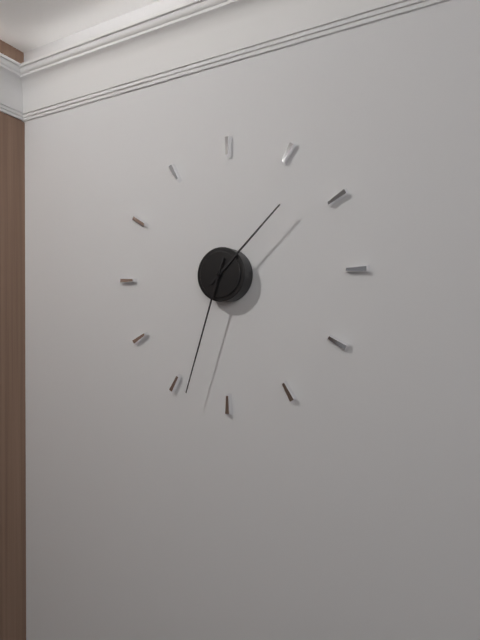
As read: 1:33
